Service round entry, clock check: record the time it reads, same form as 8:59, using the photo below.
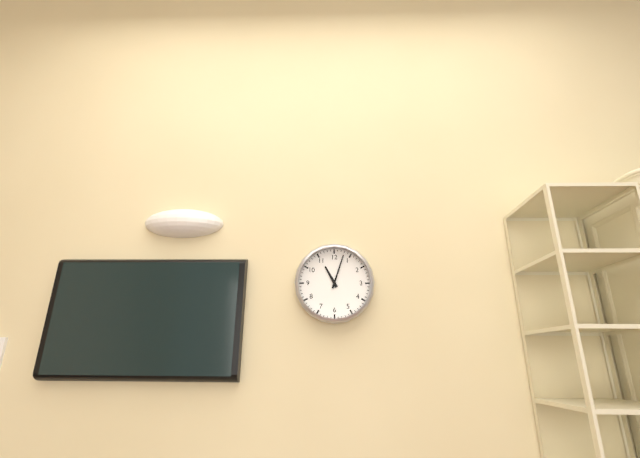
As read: 11:03
